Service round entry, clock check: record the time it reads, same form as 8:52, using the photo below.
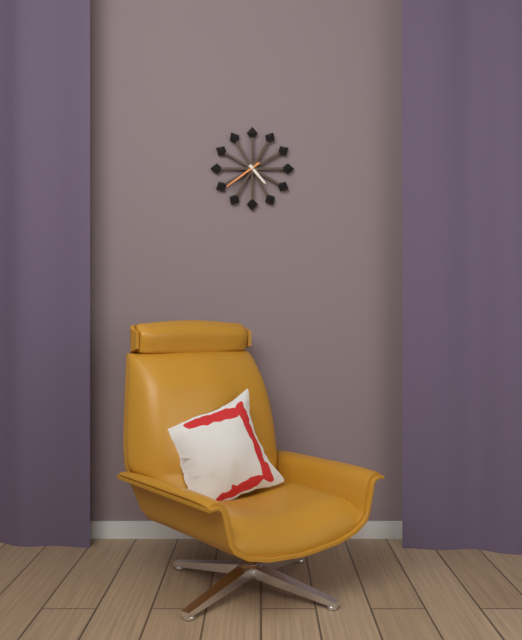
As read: 4:39
